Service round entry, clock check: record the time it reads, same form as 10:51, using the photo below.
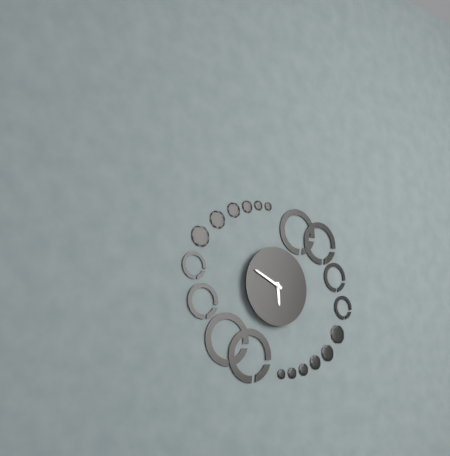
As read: 5:49
